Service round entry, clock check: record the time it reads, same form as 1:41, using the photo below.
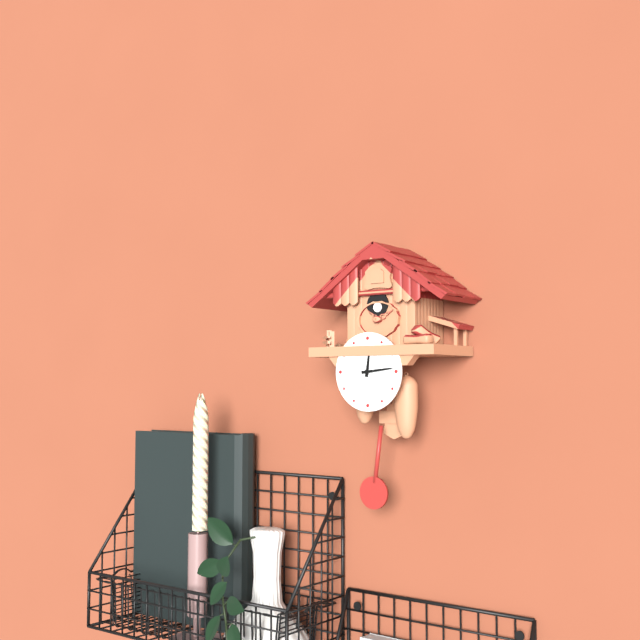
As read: 12:14
